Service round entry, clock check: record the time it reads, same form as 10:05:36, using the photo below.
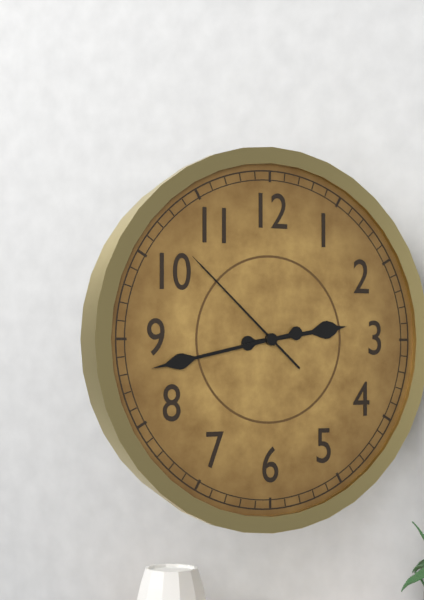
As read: 2:43:52
